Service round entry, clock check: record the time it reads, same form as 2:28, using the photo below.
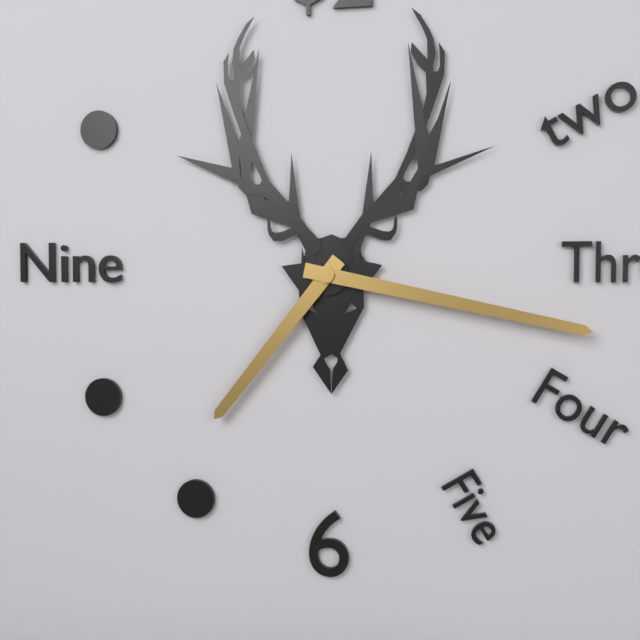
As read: 7:17
